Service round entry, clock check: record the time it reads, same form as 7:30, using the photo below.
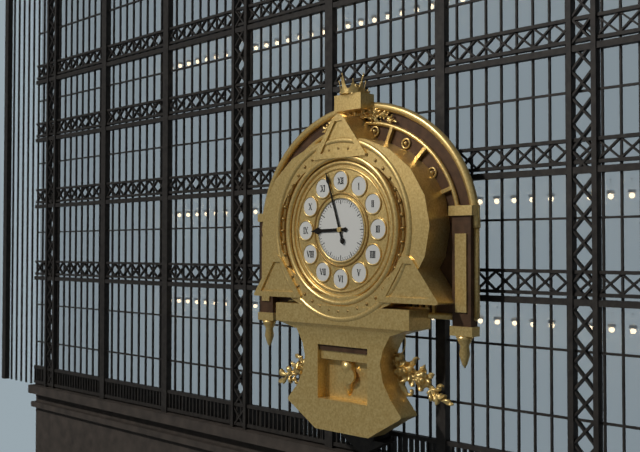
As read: 8:57
